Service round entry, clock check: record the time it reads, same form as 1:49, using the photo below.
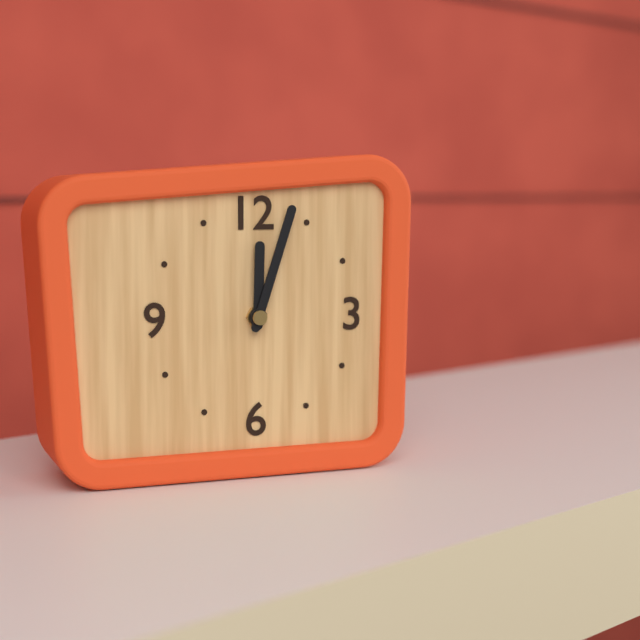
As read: 12:03
